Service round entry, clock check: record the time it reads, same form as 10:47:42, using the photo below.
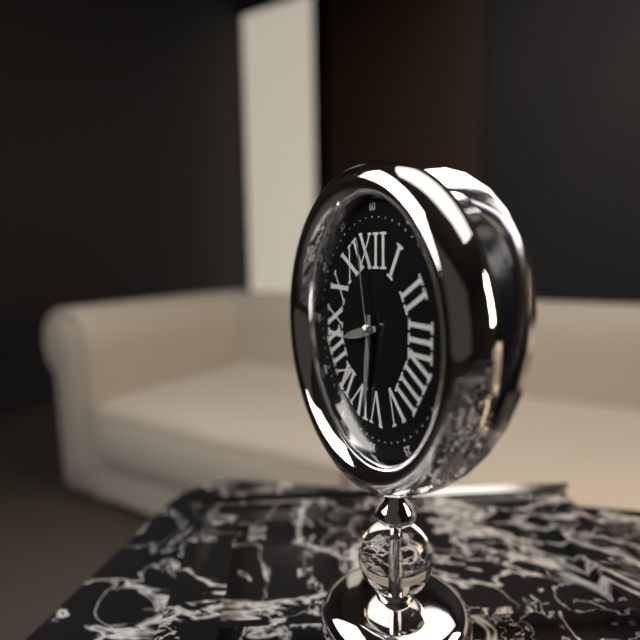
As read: 8:31:58
